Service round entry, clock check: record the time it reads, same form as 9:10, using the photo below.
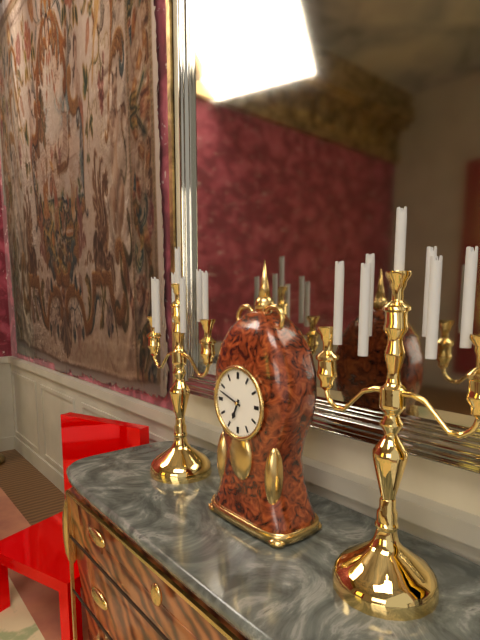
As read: 6:48
